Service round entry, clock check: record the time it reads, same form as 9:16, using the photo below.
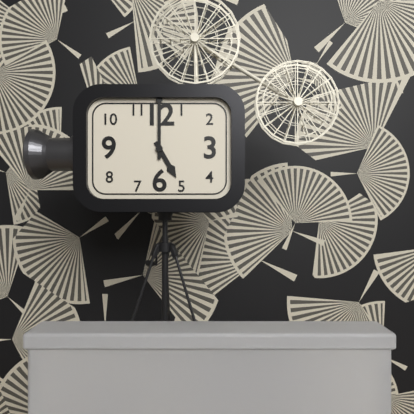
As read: 5:00
